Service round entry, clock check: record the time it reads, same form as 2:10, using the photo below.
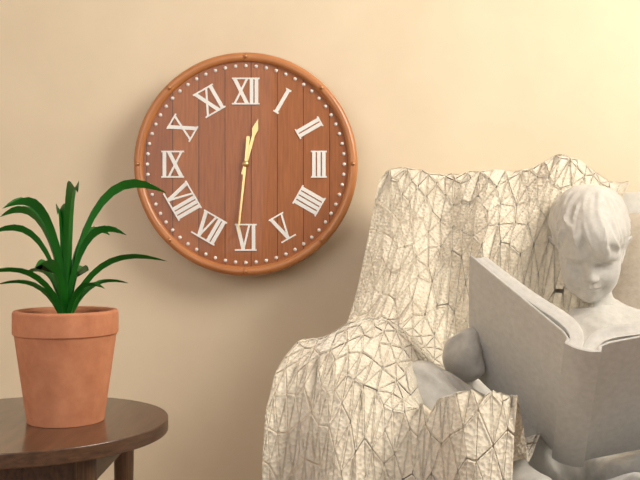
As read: 12:31
